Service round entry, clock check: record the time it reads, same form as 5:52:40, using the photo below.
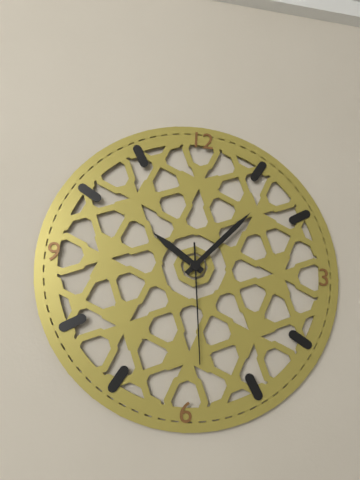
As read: 10:07:29
